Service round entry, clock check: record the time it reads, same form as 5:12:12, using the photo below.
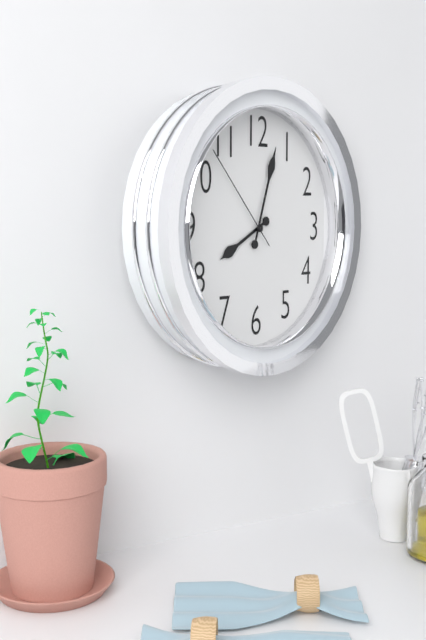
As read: 8:03:53
